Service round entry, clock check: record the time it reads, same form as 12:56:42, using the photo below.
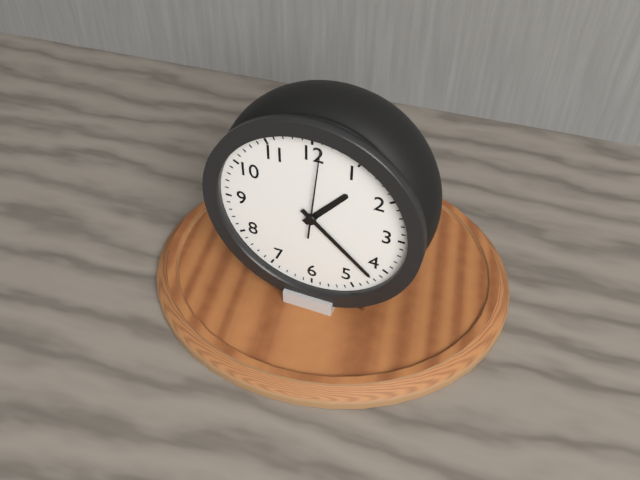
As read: 1:22:01
